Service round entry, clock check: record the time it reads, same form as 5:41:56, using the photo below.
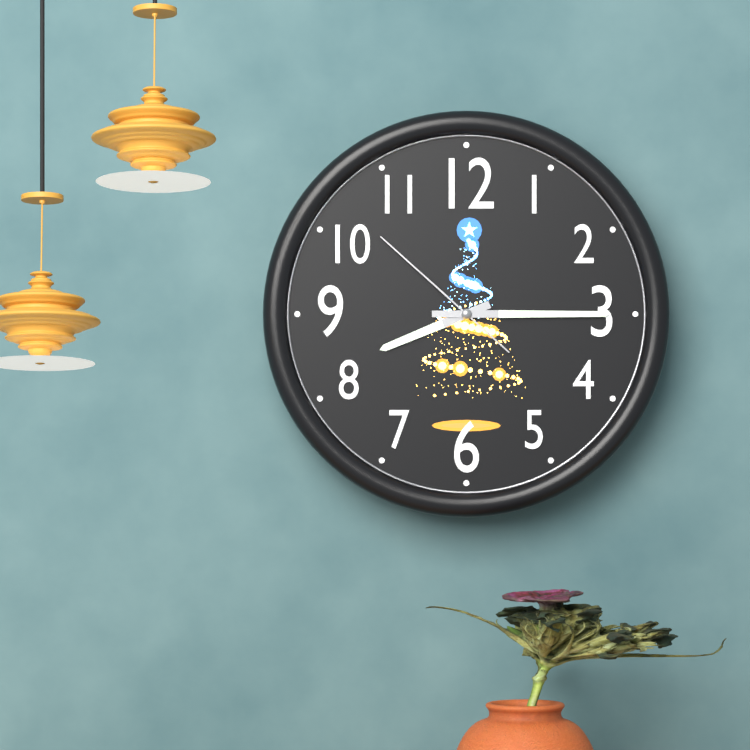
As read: 8:15:52
